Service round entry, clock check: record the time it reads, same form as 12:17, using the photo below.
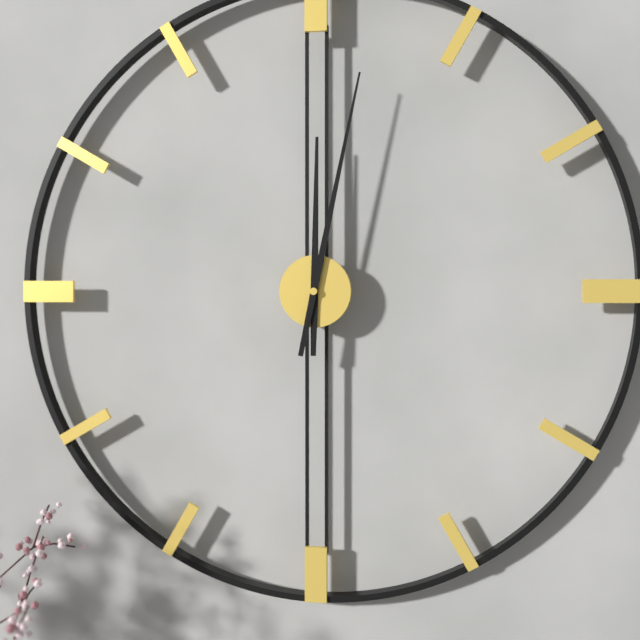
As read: 12:02
